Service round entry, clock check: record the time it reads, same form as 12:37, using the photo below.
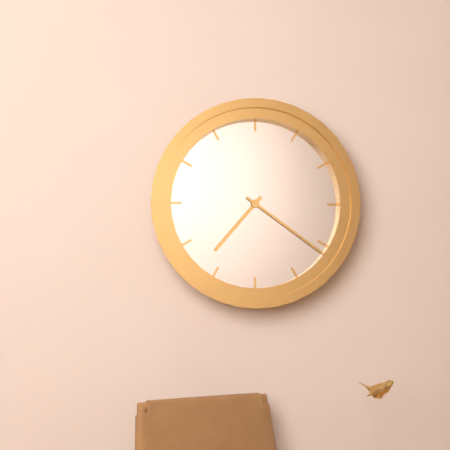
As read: 7:21
